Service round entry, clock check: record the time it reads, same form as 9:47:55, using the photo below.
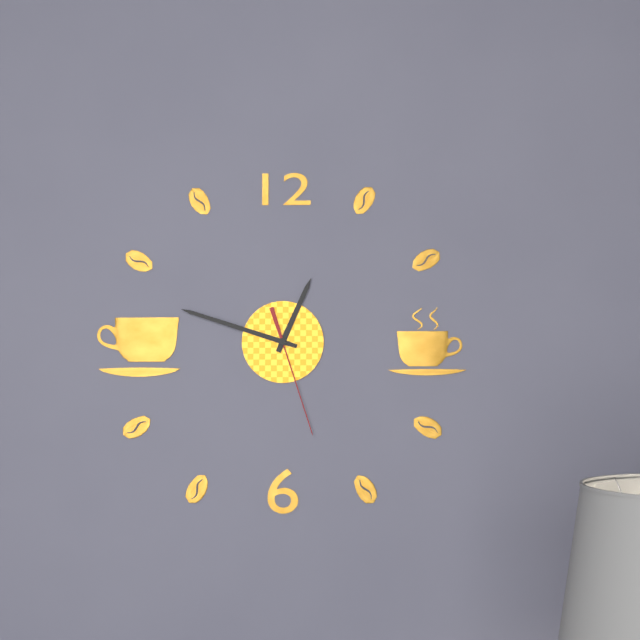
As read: 12:48:27
